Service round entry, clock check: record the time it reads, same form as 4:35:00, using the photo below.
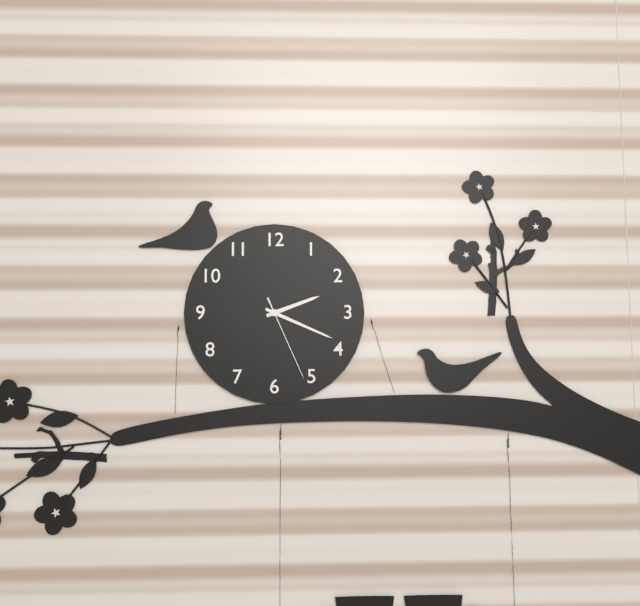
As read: 2:19:26
